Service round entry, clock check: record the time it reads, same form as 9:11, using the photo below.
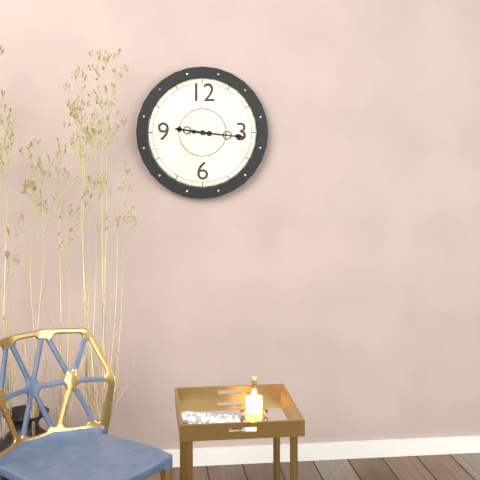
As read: 9:16
